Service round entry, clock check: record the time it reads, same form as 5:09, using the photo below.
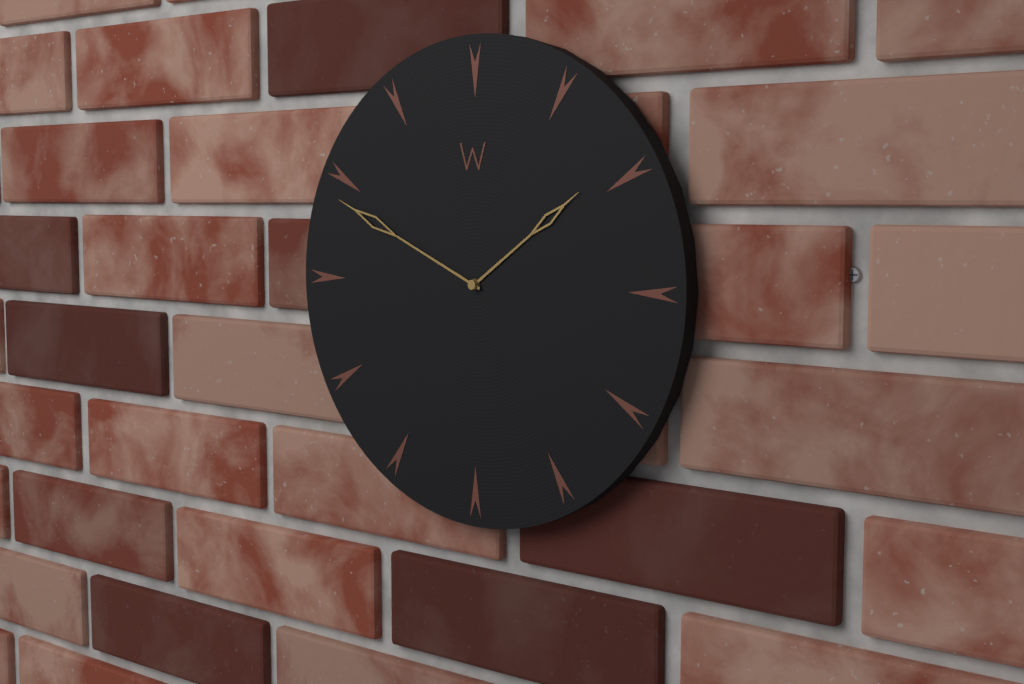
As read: 1:49
